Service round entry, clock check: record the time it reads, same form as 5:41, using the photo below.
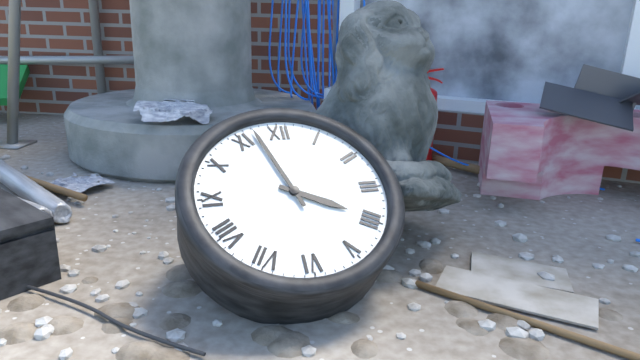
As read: 3:57
